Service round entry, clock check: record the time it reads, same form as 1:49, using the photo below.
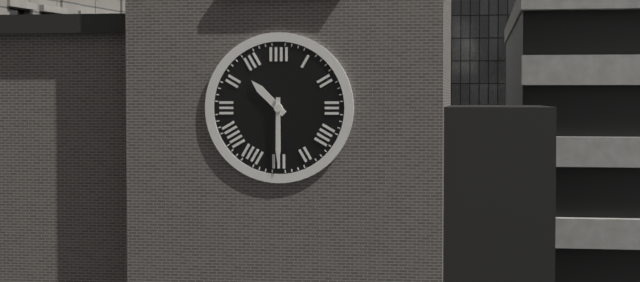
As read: 10:30
